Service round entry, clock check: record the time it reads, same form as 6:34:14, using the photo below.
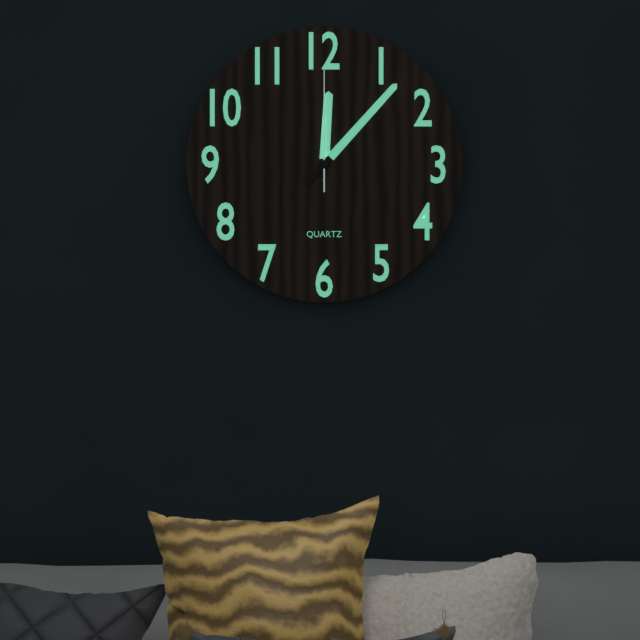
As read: 12:07:00
